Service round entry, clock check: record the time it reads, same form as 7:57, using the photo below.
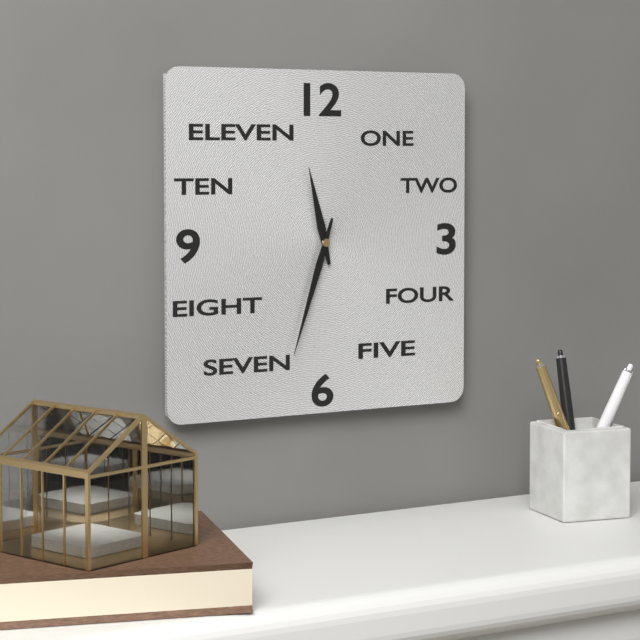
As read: 11:33
